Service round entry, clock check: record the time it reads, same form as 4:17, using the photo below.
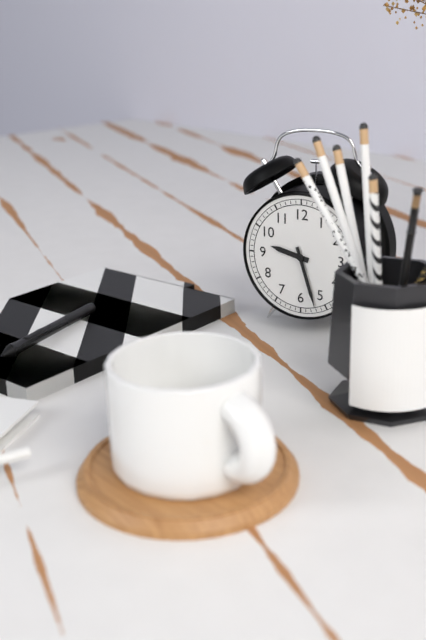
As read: 9:27
